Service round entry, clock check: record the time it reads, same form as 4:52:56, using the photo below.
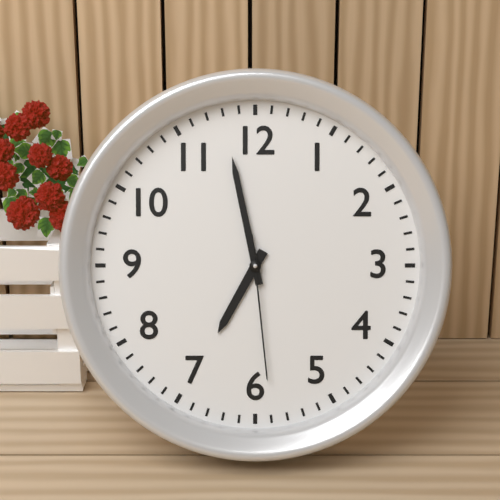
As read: 6:58:29
